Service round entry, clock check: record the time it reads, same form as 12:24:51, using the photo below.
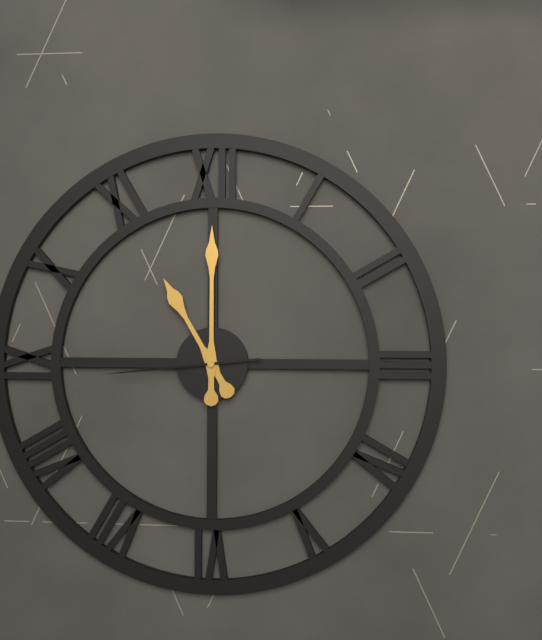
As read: 11:00:44
